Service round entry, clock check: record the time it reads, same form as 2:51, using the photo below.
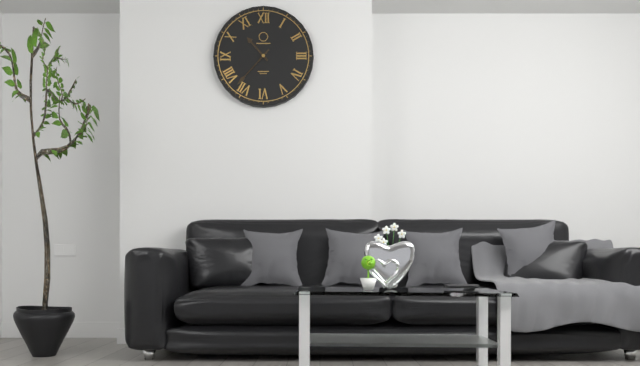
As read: 10:37
